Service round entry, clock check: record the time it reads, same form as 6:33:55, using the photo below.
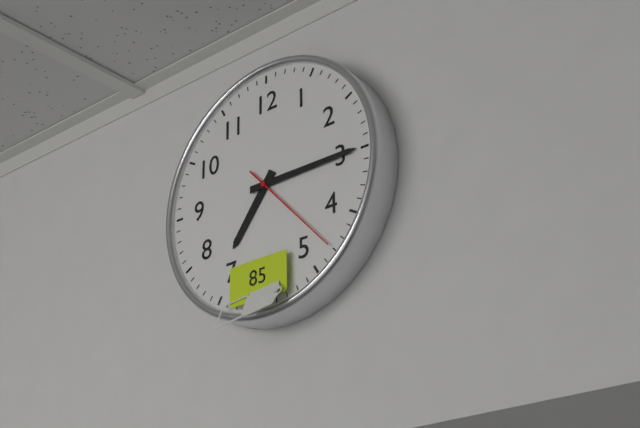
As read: 7:15:23
